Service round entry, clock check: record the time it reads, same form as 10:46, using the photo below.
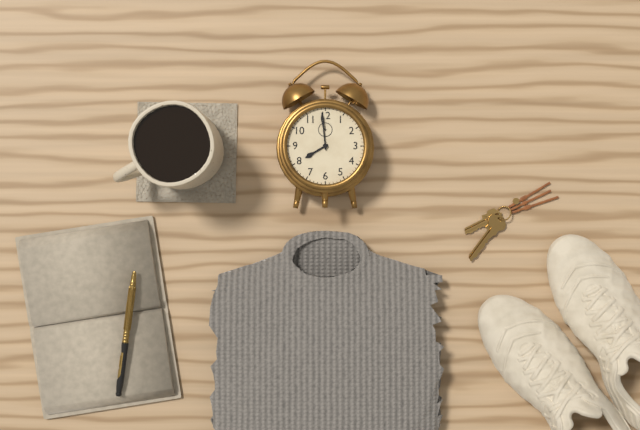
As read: 7:59
